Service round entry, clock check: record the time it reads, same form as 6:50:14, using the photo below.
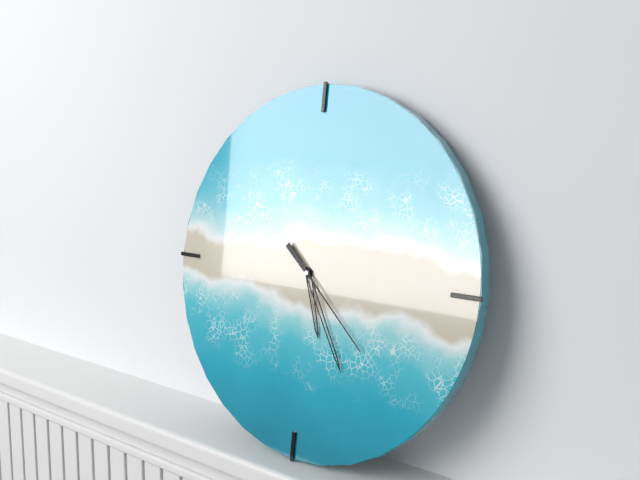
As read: 5:25:22
